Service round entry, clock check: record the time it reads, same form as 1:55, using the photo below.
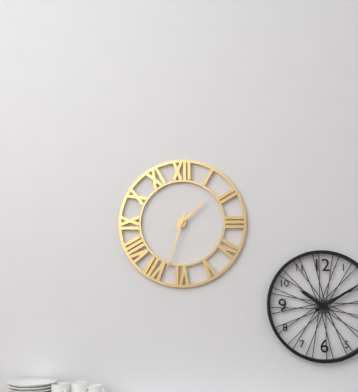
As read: 1:33
